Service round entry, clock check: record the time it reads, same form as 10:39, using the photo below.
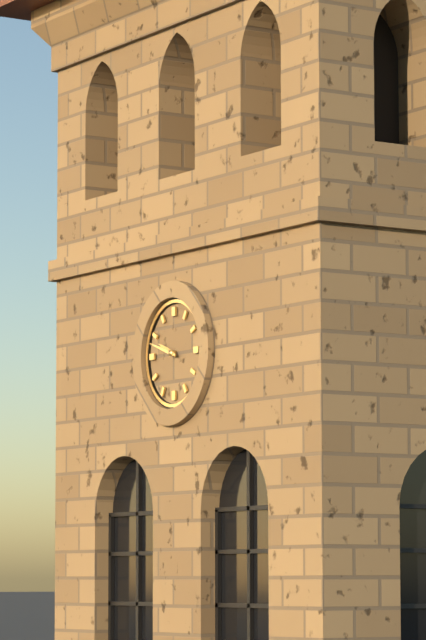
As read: 9:48
